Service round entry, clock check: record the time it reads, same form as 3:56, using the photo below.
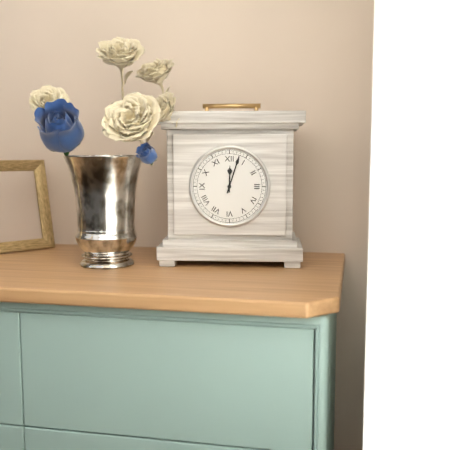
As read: 12:03
